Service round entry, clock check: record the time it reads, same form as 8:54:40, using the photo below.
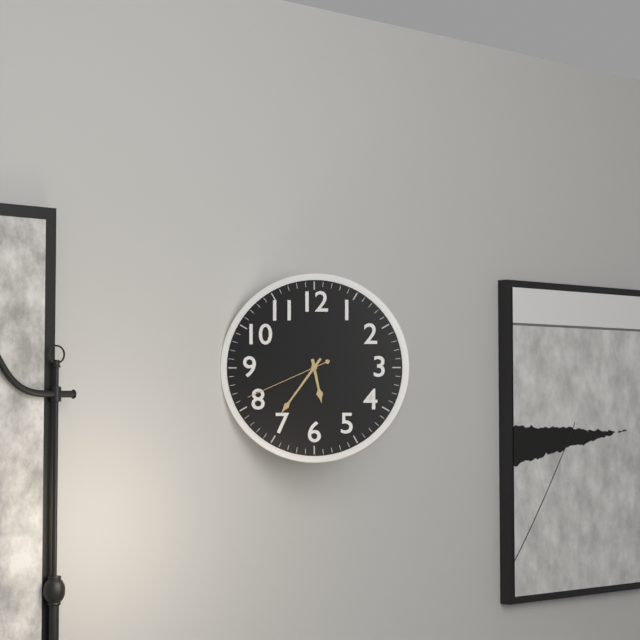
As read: 5:36:41
